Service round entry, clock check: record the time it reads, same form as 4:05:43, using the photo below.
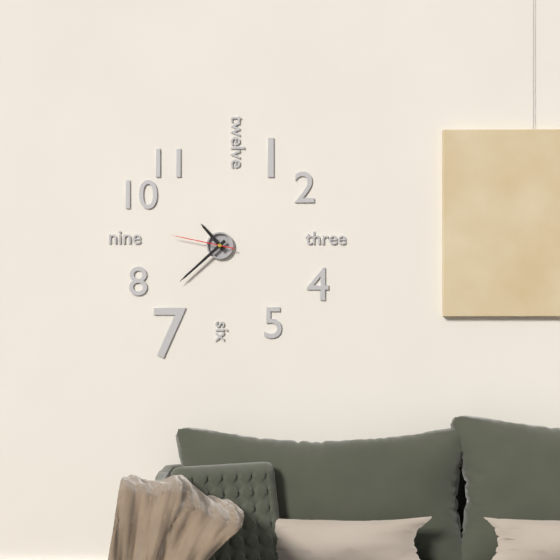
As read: 10:38:47
